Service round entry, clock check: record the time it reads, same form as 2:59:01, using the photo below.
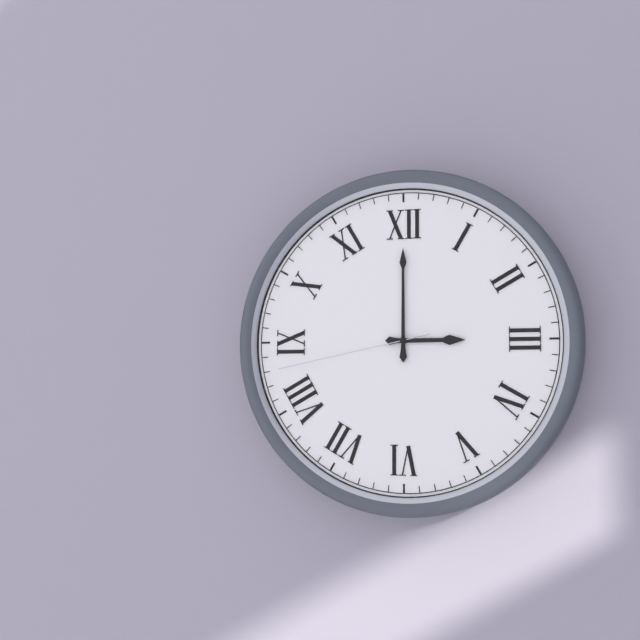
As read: 3:00:43
